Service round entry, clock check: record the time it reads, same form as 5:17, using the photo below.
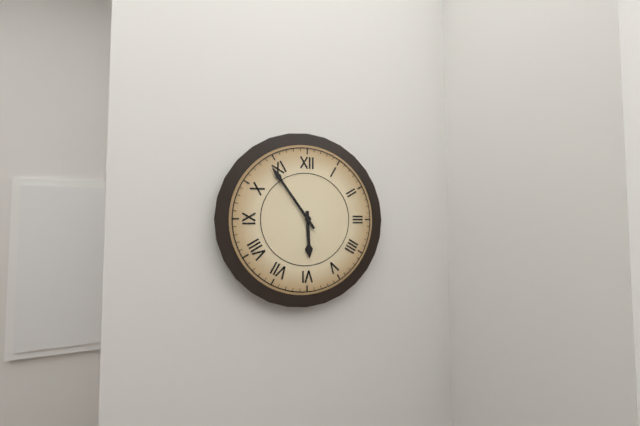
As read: 5:54
